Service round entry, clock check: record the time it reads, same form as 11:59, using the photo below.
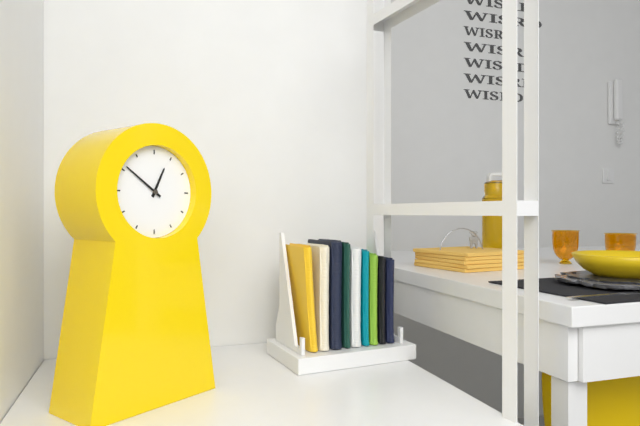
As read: 12:51
